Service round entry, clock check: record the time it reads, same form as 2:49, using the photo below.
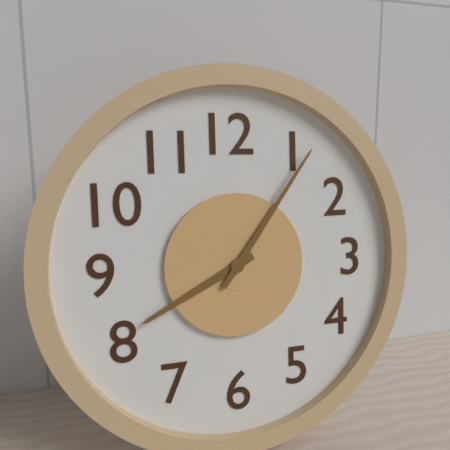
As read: 8:06
